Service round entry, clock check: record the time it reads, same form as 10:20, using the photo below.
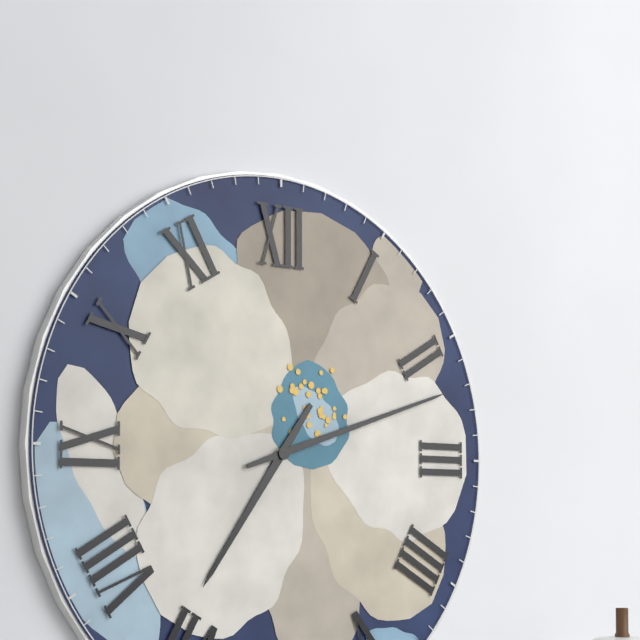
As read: 7:12
